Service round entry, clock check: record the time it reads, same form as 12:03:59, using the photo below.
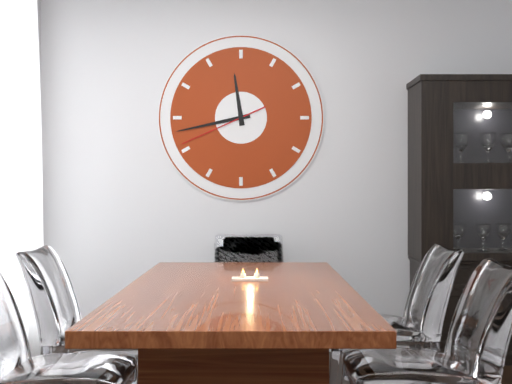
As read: 11:43:41
